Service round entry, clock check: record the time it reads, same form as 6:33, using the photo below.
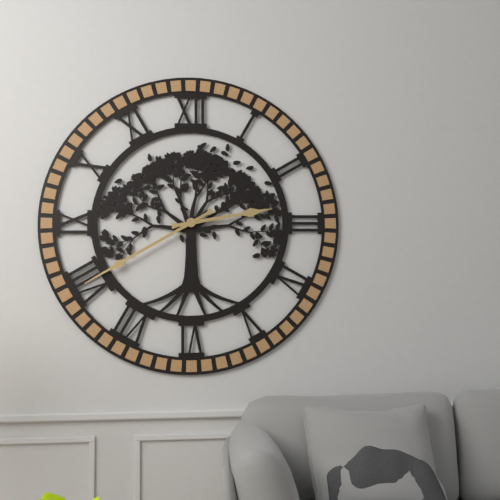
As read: 2:40
